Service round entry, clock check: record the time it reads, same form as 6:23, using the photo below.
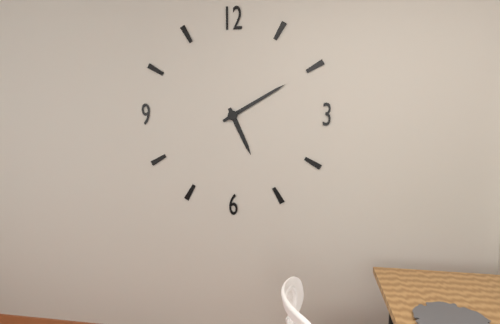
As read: 5:10
